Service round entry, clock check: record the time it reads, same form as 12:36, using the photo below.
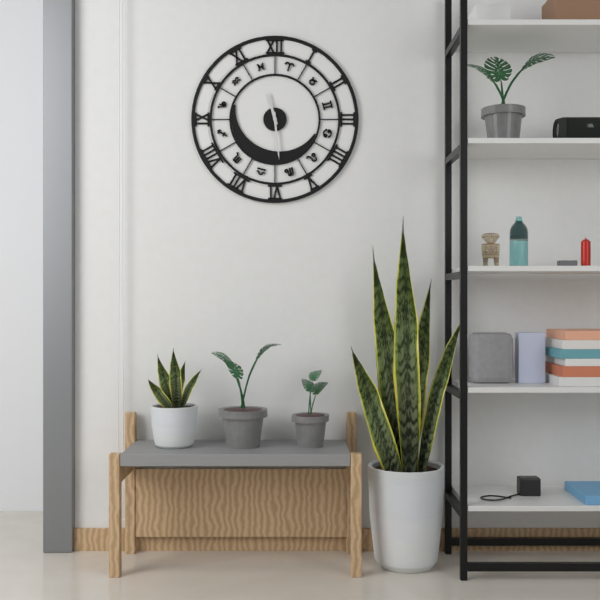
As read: 11:29
